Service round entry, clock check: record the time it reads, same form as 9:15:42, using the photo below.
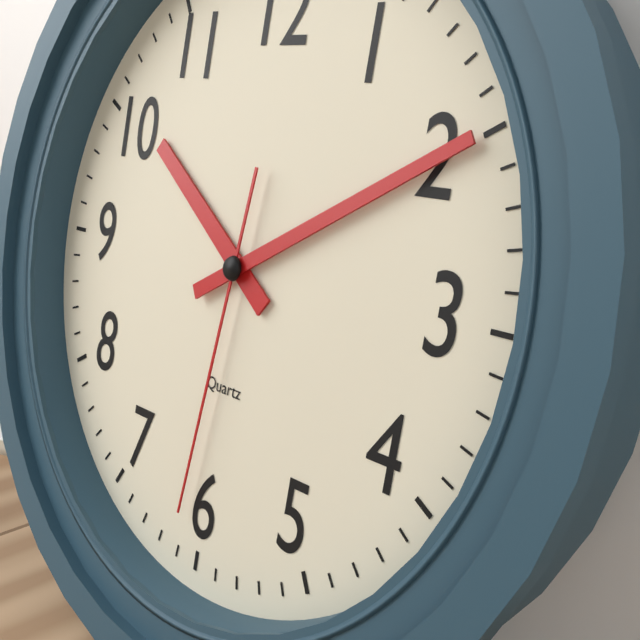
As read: 10:10:31
